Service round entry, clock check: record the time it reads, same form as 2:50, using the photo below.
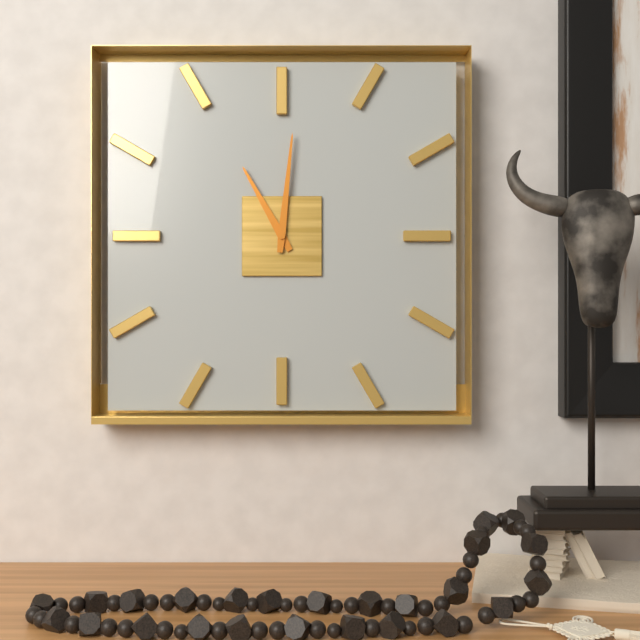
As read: 11:01
